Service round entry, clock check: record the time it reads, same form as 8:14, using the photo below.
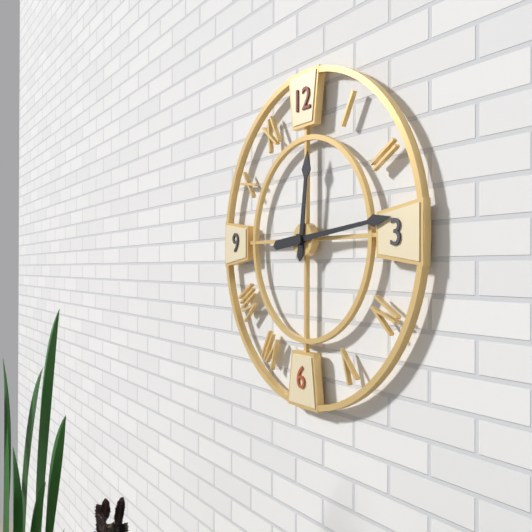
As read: 12:14
